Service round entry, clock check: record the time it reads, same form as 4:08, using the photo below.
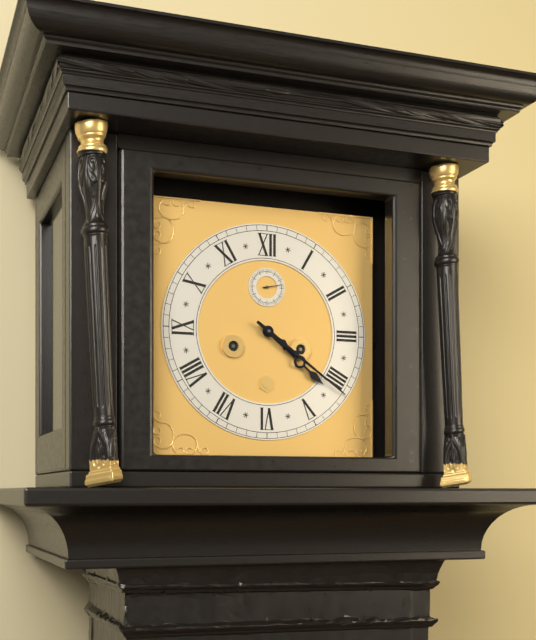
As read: 4:21
